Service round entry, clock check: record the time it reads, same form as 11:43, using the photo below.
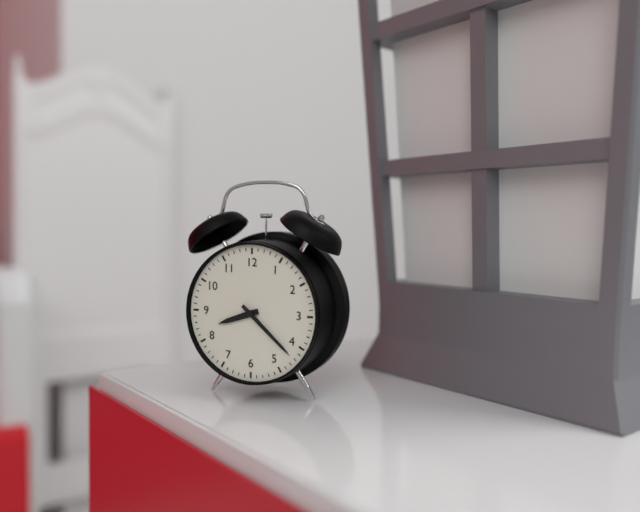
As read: 8:22
